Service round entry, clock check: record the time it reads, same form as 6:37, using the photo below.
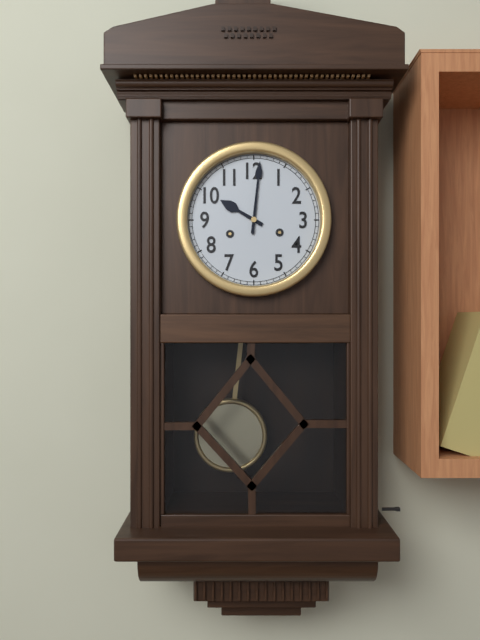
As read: 10:01
